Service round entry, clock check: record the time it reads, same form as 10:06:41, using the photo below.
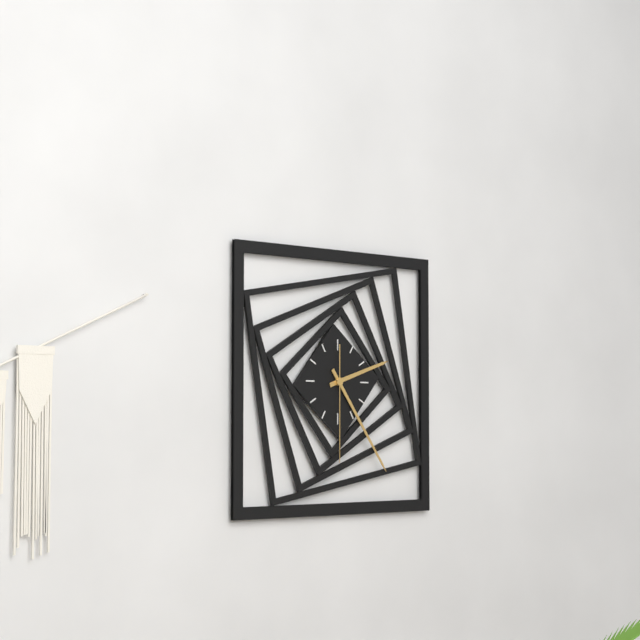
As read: 2:24:30
